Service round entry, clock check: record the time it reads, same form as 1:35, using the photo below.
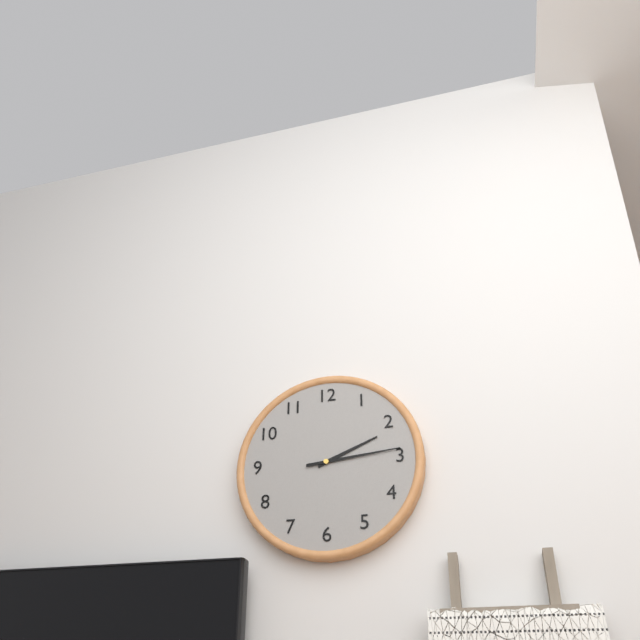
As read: 2:14
